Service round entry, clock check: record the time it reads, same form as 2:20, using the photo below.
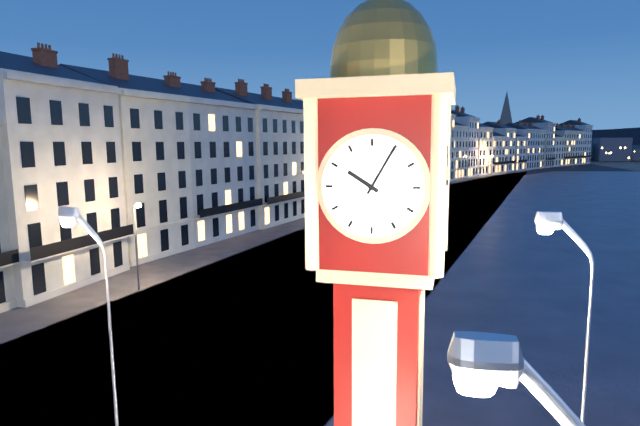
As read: 10:05
